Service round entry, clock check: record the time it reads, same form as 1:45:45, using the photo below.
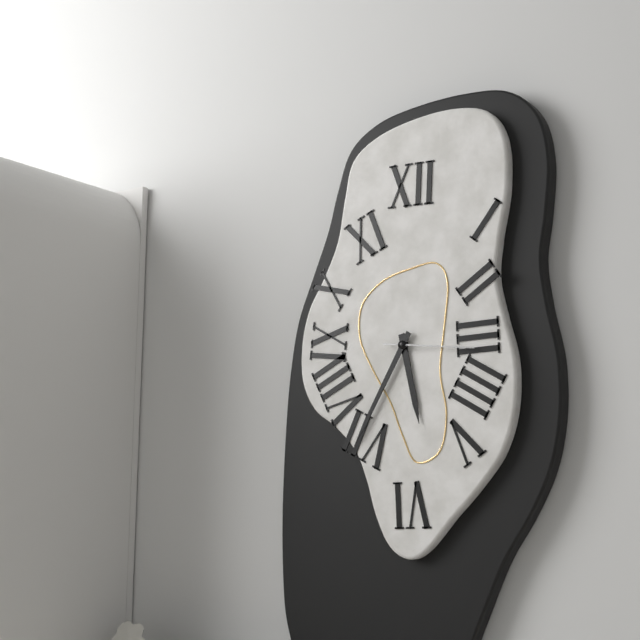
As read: 5:35:16
